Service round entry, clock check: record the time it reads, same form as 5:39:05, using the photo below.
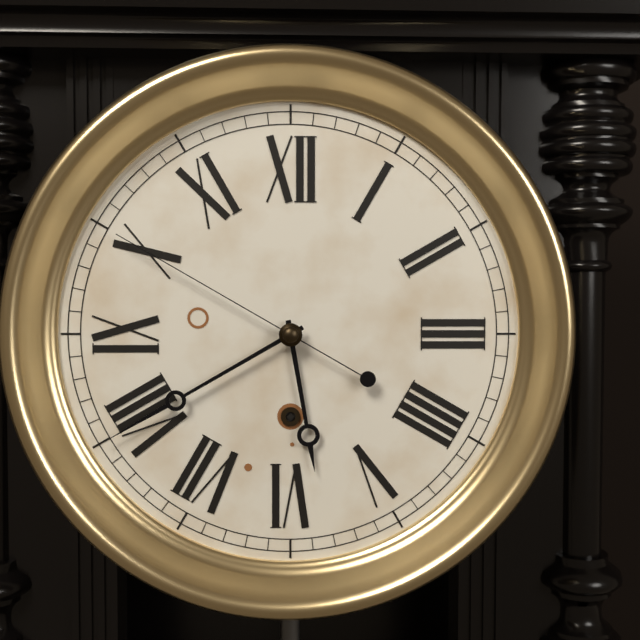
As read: 5:40:50
